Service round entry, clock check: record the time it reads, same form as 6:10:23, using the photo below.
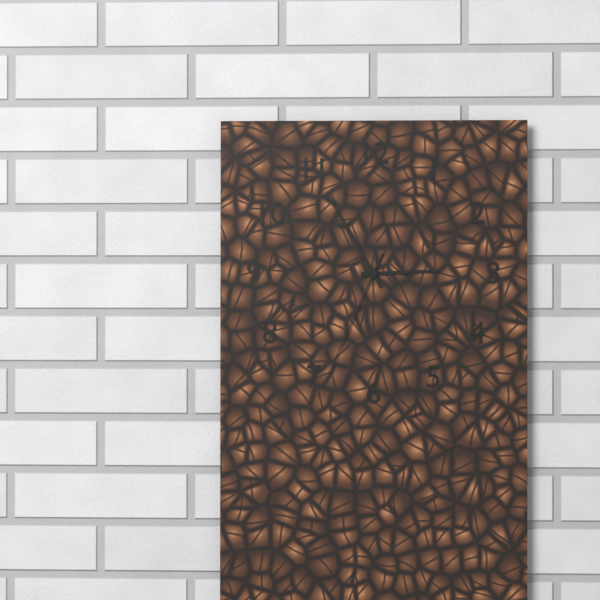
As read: 2:55:34
